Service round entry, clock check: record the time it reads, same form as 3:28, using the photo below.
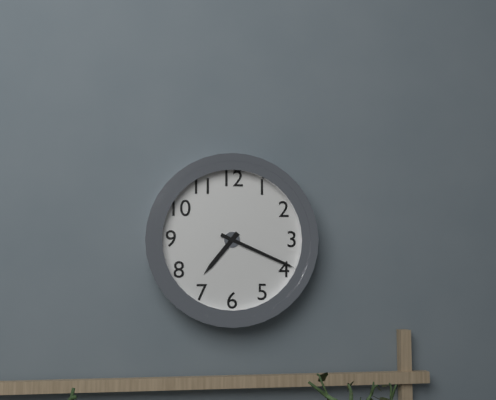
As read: 7:19
